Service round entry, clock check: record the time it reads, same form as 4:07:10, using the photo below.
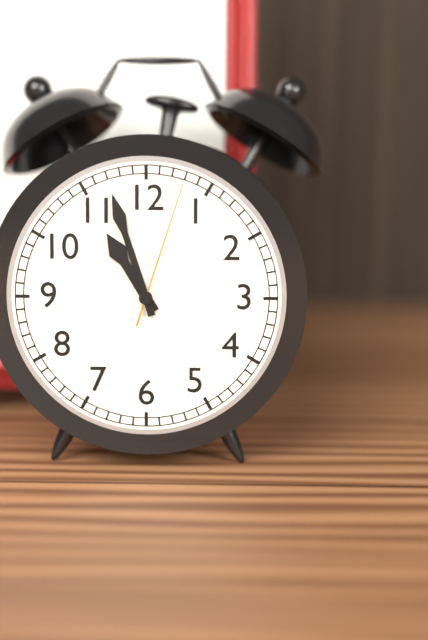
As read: 10:57:03
